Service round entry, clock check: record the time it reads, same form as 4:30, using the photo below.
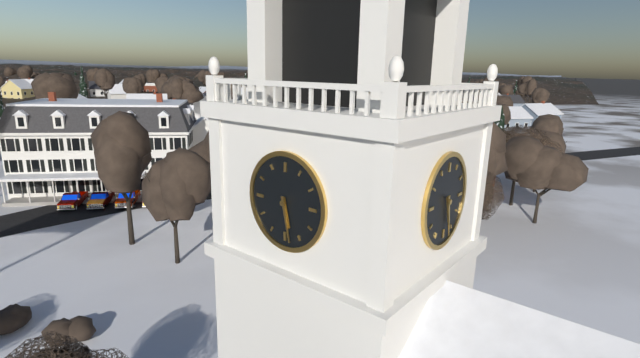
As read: 5:28
